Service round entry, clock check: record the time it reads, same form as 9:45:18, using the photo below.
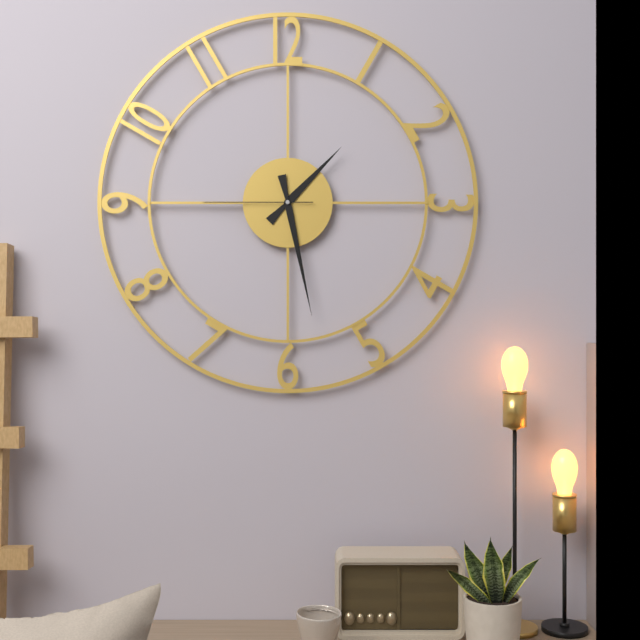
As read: 1:28:45
